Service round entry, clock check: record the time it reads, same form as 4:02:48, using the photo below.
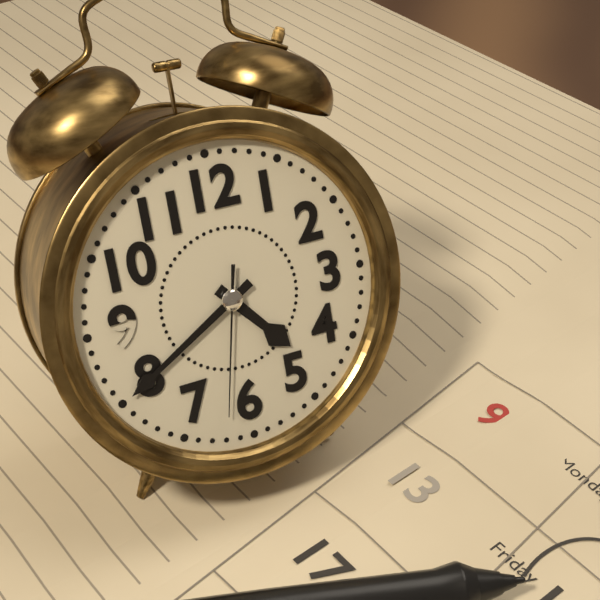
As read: 4:40:32
